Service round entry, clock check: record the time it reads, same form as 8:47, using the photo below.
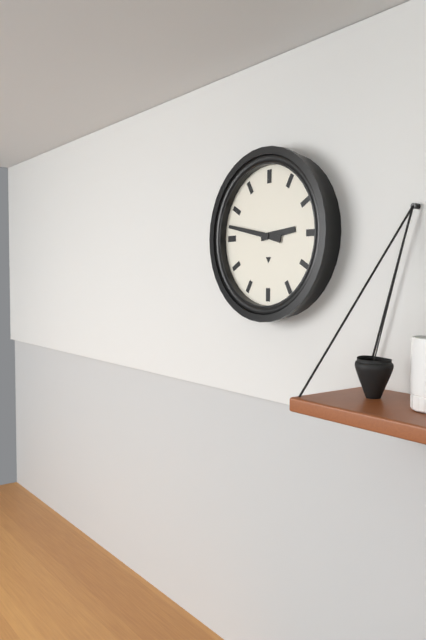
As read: 2:47
